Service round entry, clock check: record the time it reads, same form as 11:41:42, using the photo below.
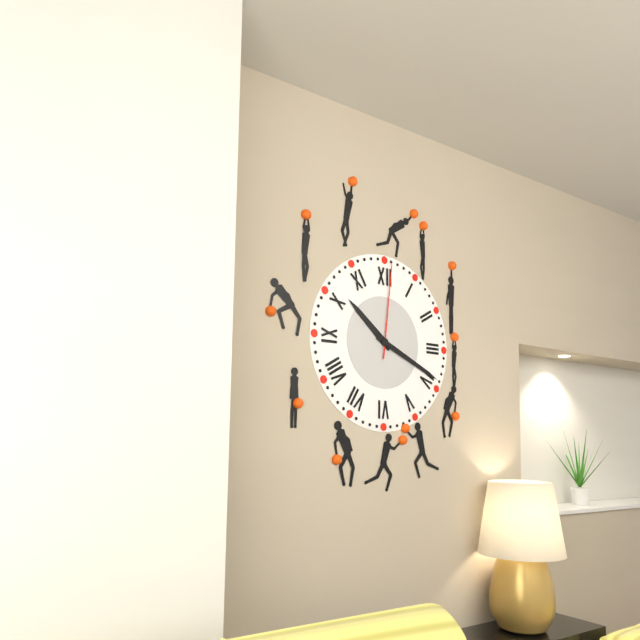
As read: 10:19:01
